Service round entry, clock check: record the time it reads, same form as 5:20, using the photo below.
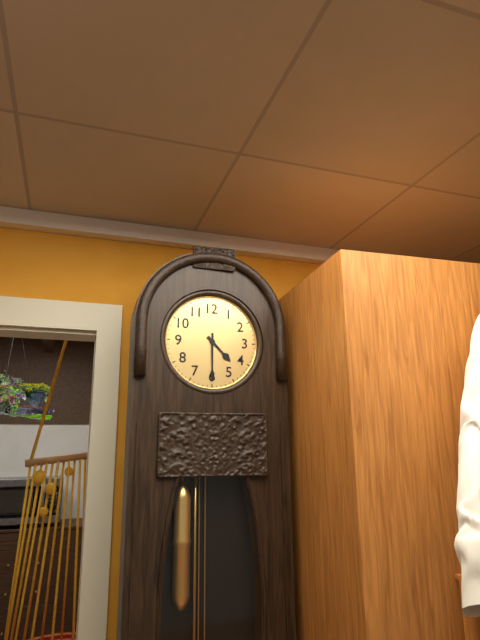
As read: 4:30
